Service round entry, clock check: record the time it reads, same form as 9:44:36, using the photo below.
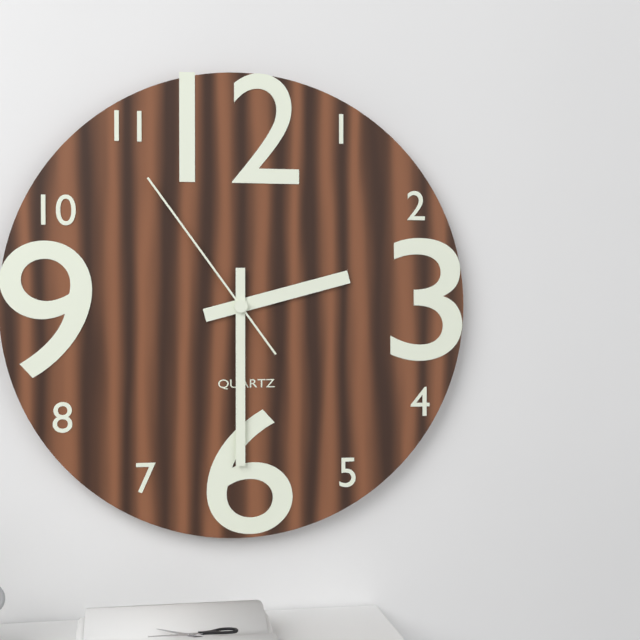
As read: 2:30:54
